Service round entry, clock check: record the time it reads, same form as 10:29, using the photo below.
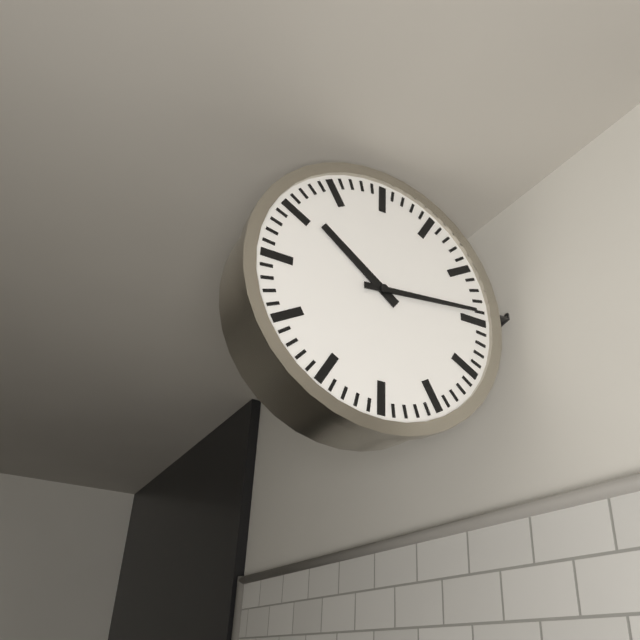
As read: 10:14
